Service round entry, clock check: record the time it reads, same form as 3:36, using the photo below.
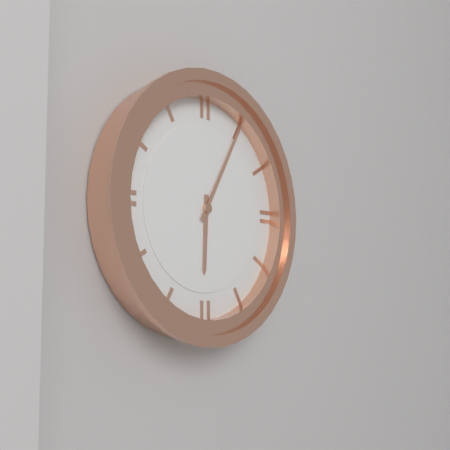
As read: 6:05
